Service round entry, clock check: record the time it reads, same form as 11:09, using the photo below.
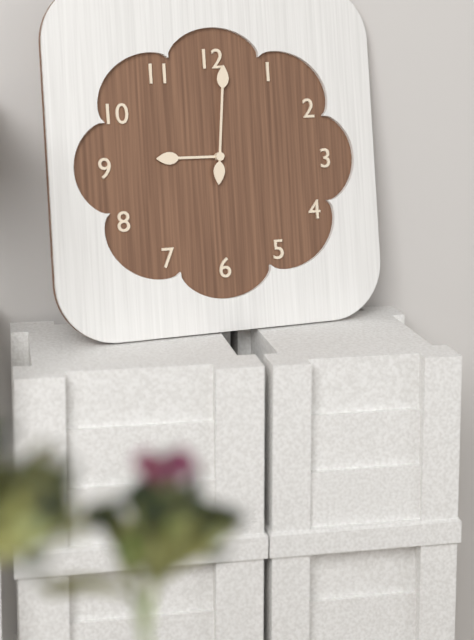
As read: 9:01
